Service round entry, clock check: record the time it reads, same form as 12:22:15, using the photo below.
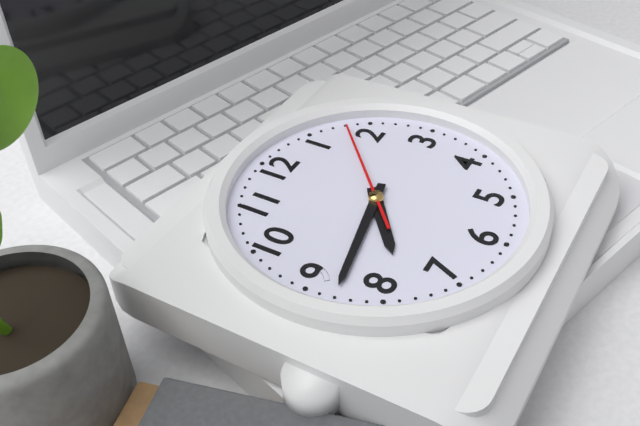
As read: 7:43:08
